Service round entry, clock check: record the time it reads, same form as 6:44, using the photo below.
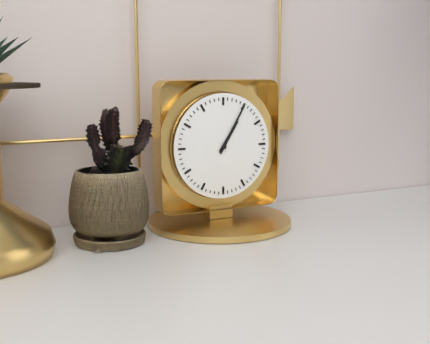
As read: 1:05
